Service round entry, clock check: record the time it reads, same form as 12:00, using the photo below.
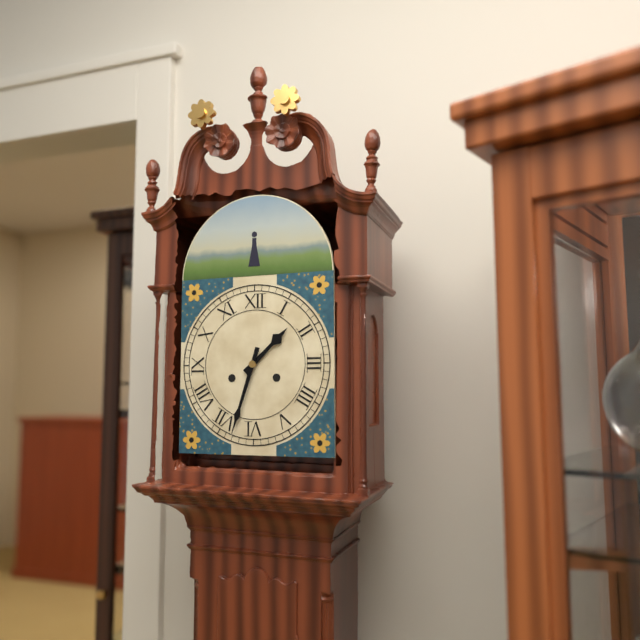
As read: 1:33
